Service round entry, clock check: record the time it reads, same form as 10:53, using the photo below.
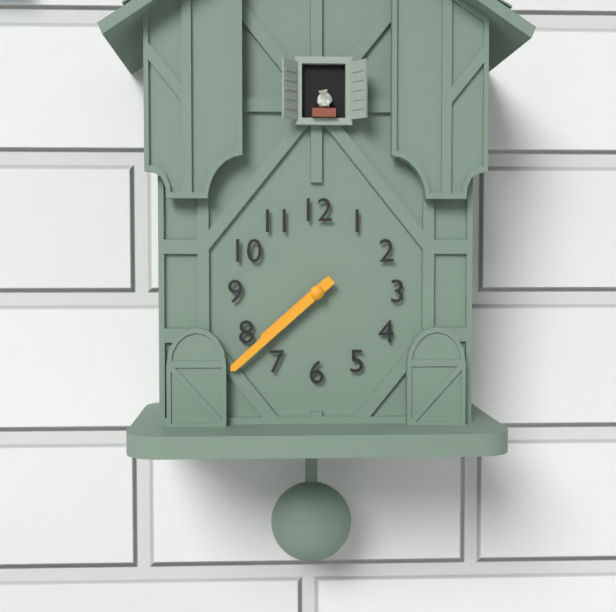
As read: 7:38
